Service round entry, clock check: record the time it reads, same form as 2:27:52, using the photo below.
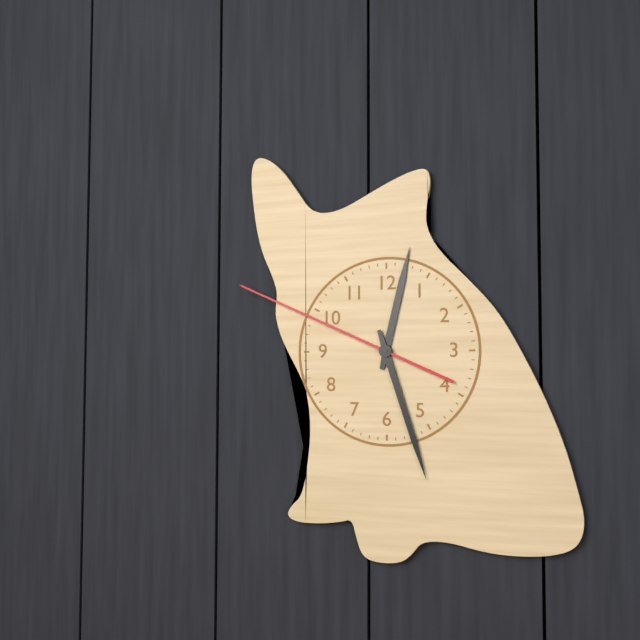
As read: 12:27:49
